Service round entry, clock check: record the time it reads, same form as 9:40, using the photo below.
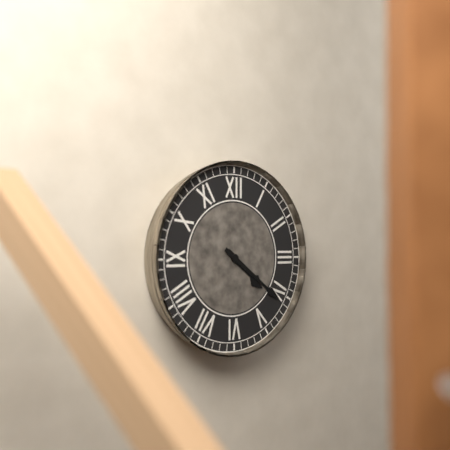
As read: 4:21
